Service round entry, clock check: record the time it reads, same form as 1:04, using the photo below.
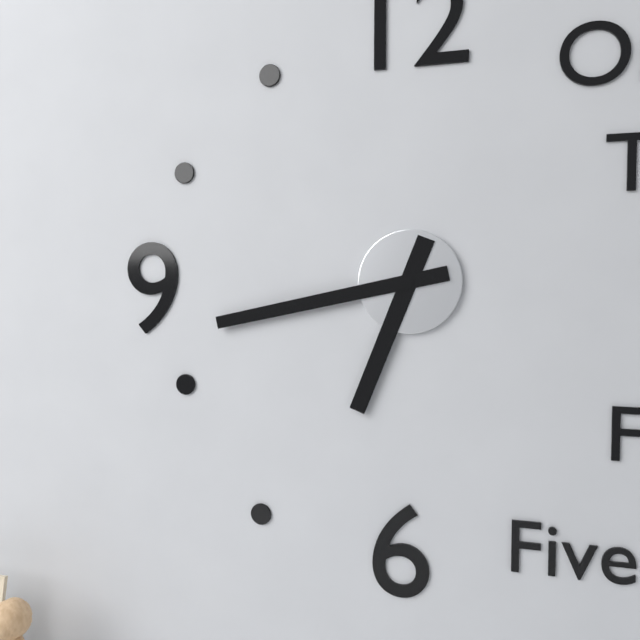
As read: 6:43
